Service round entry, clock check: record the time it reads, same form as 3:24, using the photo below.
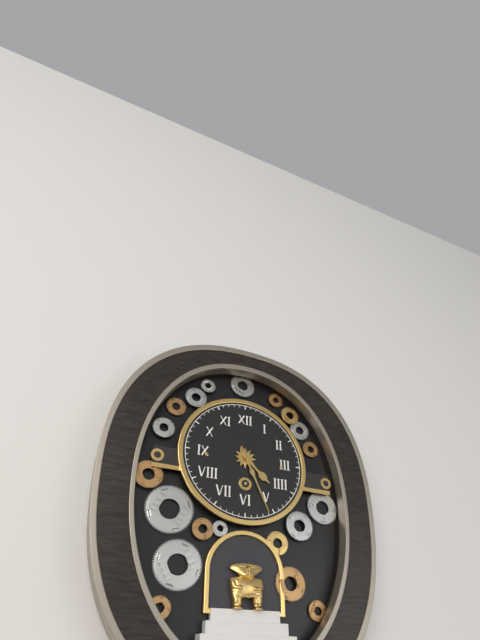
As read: 4:26
